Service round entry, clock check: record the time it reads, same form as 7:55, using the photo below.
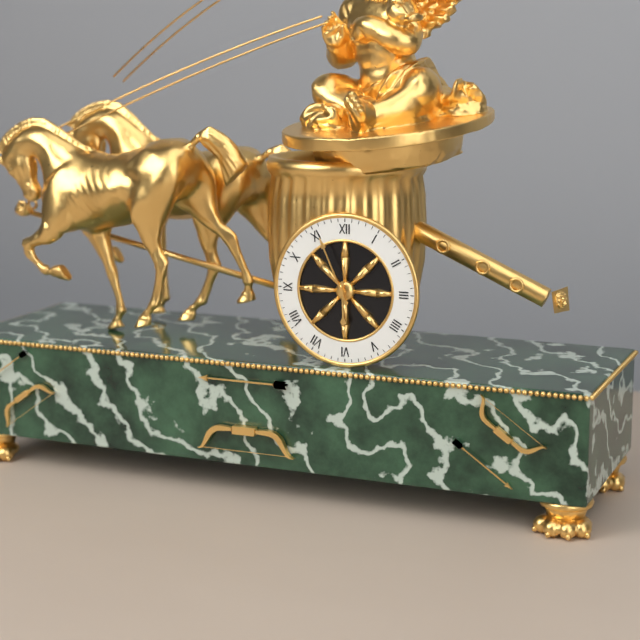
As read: 5:56
